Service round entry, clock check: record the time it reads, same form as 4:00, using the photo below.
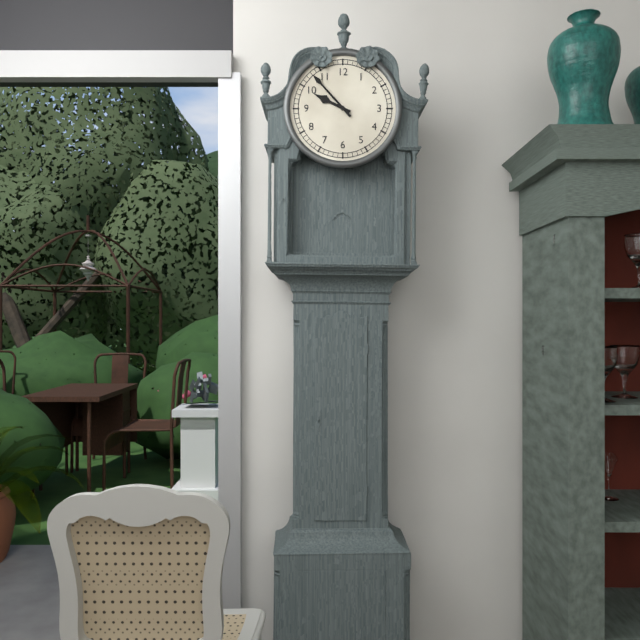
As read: 9:53
